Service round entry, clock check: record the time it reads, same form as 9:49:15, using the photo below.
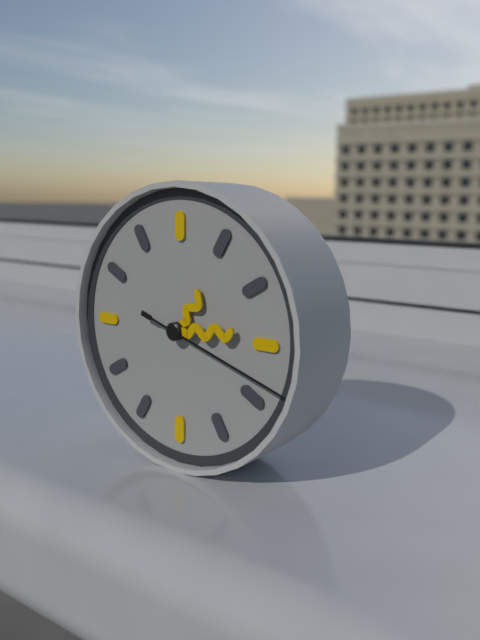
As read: 1:14:18
